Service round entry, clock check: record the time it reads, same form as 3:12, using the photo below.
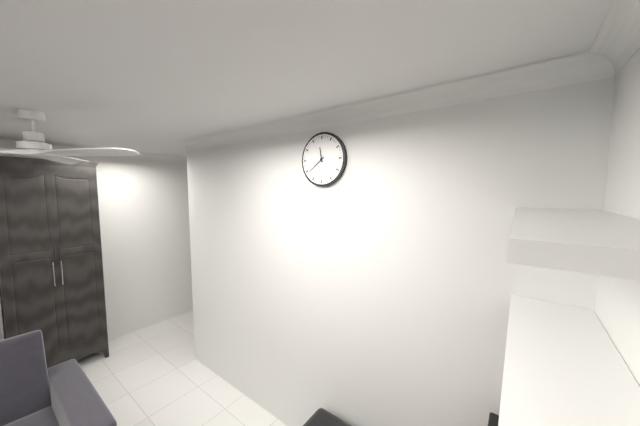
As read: 11:39
